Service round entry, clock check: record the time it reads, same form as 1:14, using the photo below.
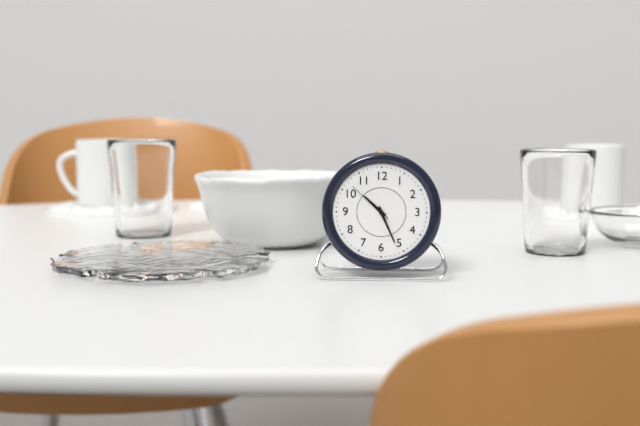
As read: 10:26
